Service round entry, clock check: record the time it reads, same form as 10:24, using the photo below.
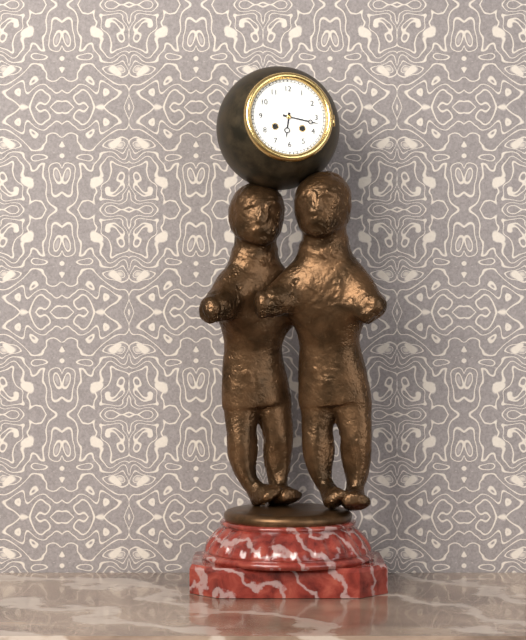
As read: 6:17
